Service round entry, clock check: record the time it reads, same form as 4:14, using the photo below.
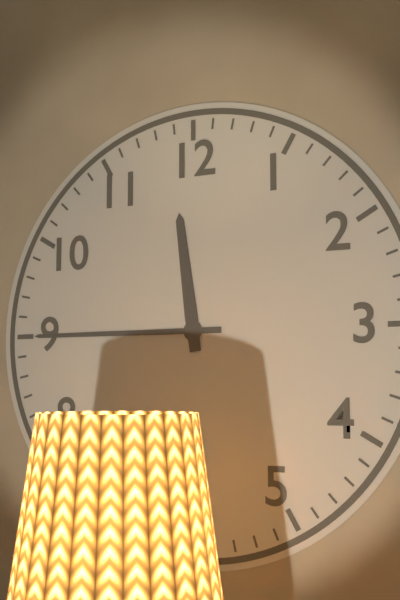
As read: 11:45
